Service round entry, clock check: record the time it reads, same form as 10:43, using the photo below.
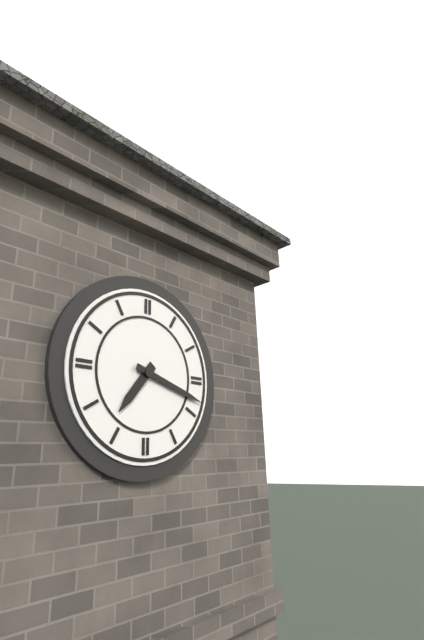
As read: 7:18
